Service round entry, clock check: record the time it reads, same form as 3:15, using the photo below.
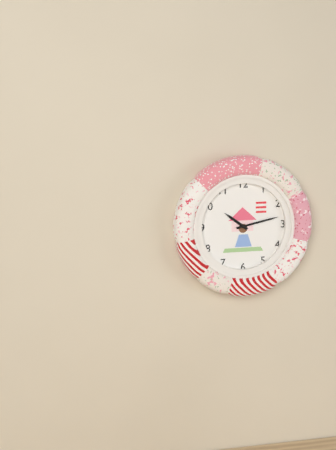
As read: 10:13
